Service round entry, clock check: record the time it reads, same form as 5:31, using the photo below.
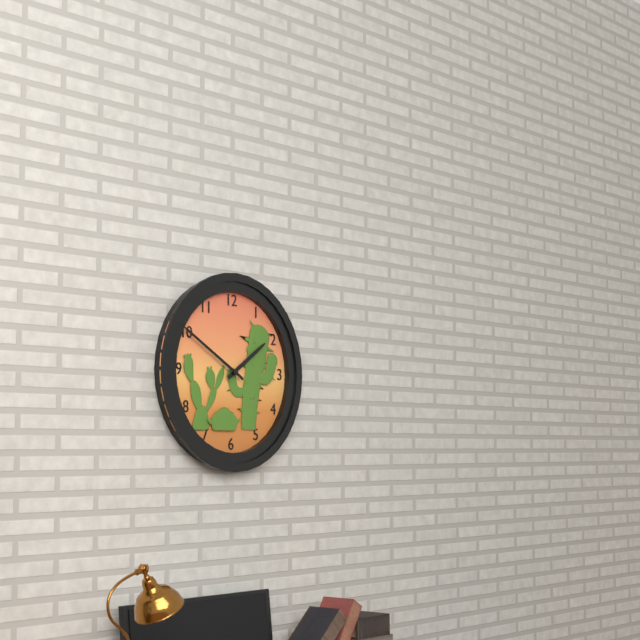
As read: 1:50
